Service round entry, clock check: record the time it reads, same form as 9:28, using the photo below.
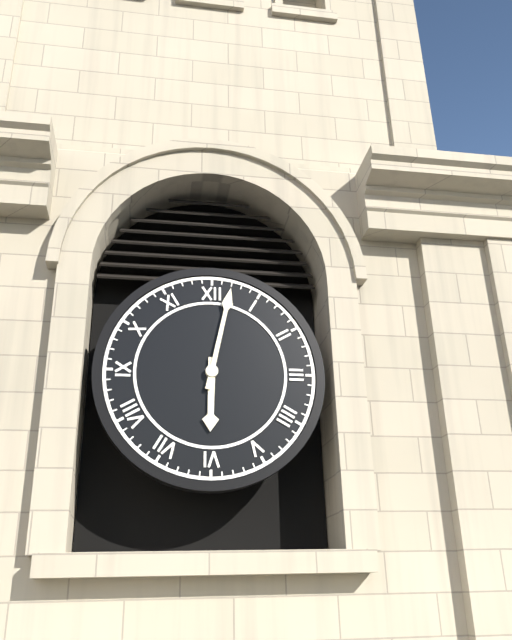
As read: 6:02
